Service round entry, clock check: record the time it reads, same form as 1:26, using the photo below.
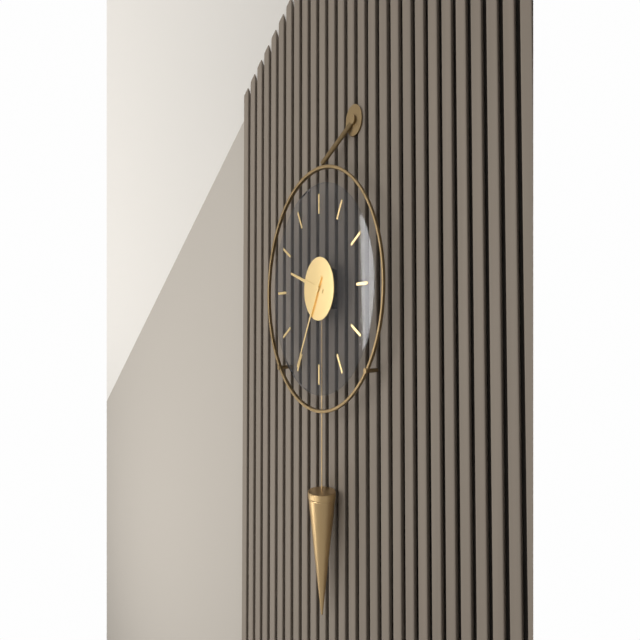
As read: 9:35
